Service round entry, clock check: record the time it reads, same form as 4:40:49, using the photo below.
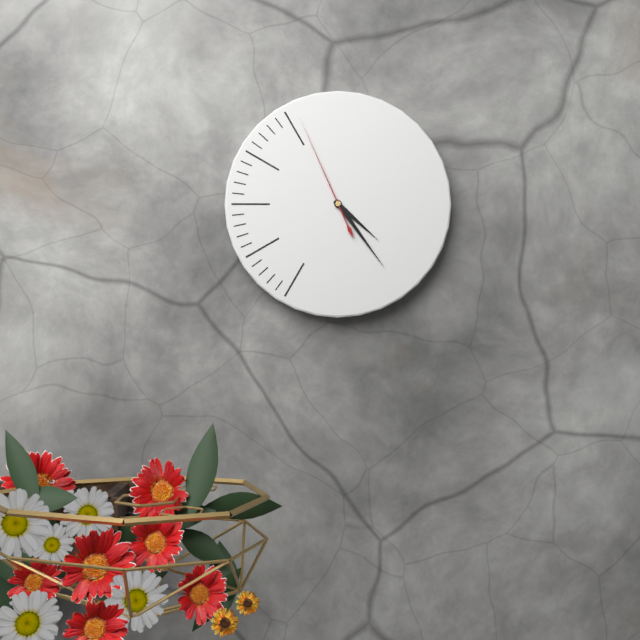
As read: 4:24:56
